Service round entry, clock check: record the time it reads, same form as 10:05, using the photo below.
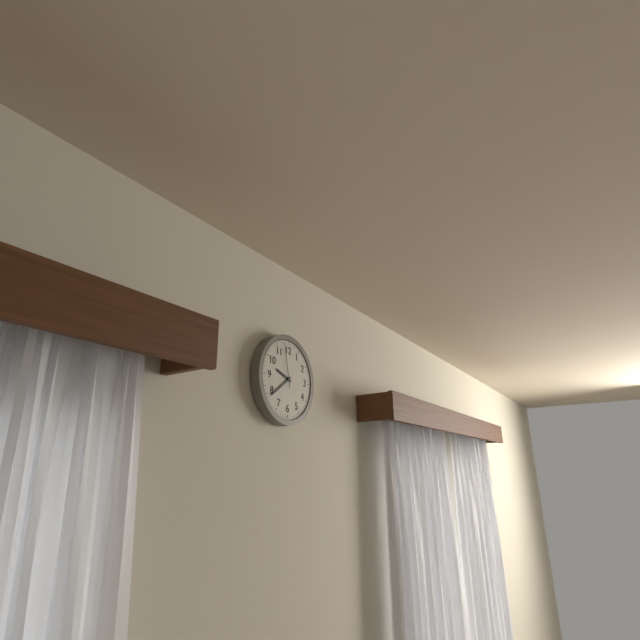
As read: 9:39
